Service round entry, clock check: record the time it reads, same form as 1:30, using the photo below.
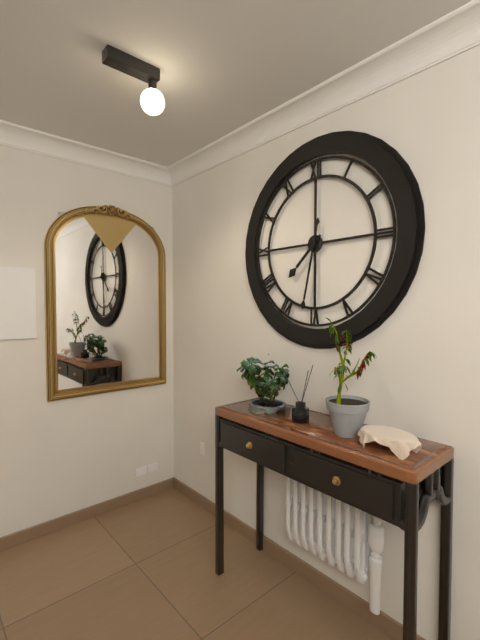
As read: 7:32
